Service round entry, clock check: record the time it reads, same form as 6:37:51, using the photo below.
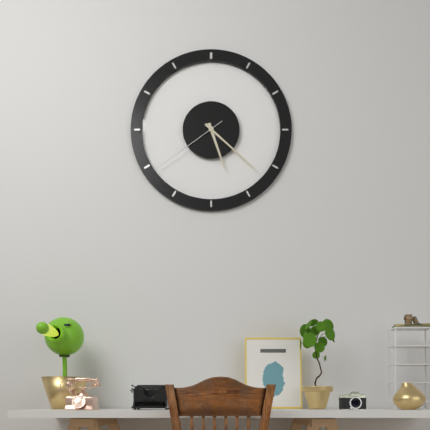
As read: 5:22:39
